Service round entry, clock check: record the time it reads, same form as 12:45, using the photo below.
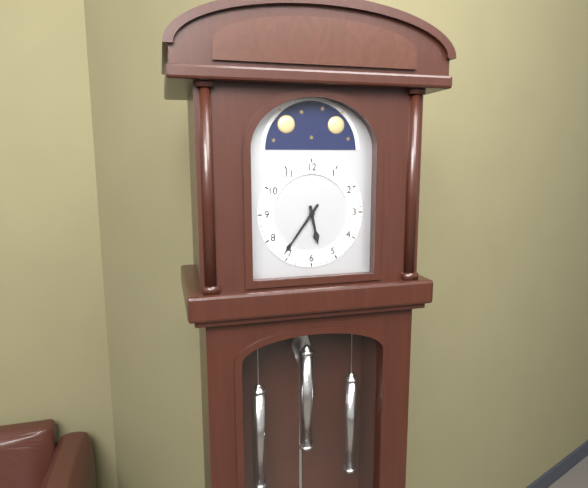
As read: 5:36
